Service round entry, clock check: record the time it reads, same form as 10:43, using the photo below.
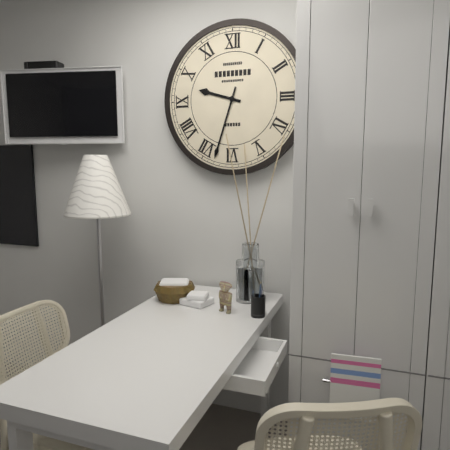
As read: 9:33
